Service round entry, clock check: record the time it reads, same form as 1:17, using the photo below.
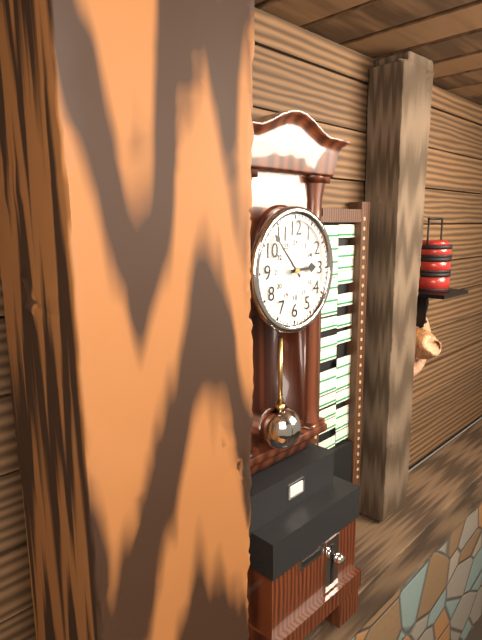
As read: 2:53
